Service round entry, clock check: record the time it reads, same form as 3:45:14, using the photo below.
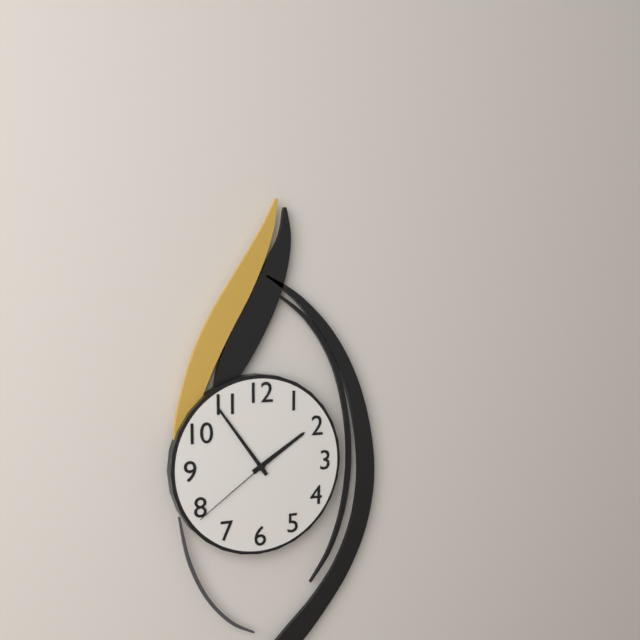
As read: 1:54:39
